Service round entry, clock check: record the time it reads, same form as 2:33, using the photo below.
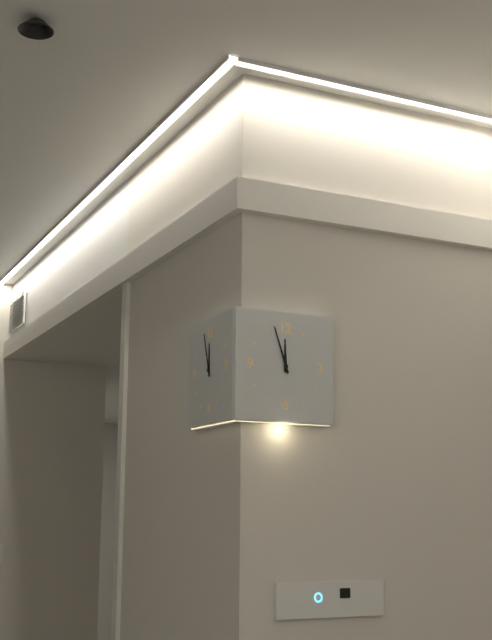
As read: 11:57
